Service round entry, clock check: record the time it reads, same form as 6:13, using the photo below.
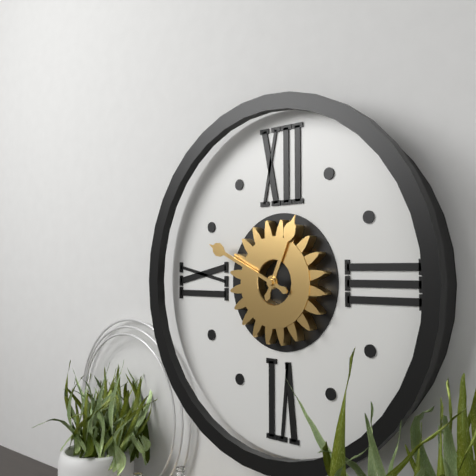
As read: 12:49
